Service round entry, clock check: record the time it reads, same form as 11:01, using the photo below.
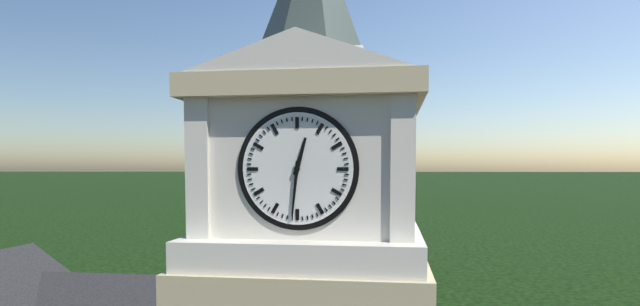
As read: 12:31
